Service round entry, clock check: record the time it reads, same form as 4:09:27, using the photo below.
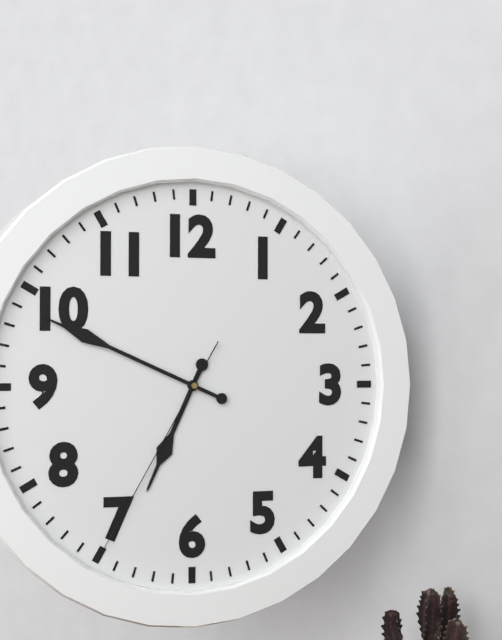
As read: 6:49:35
